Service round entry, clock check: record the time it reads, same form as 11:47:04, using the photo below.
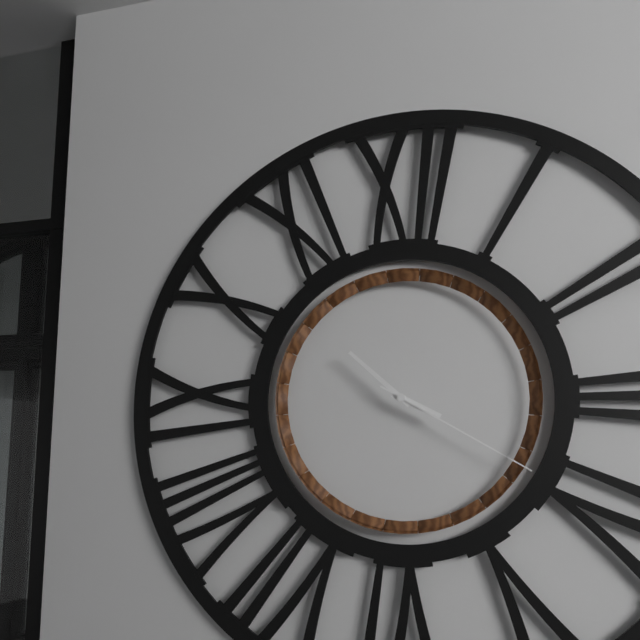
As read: 3:52:20
